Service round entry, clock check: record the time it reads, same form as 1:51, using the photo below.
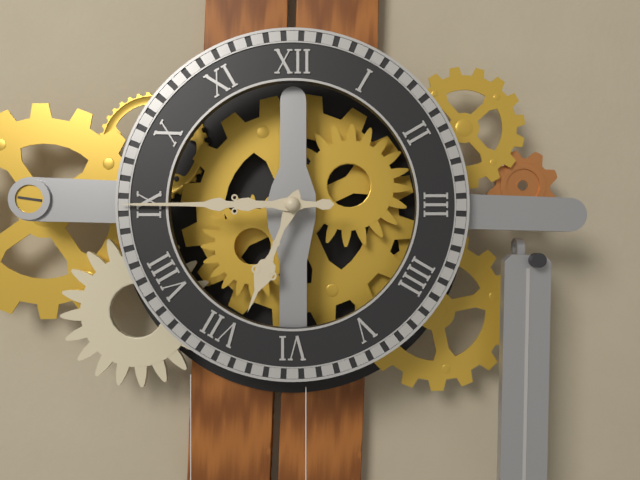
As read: 6:45
